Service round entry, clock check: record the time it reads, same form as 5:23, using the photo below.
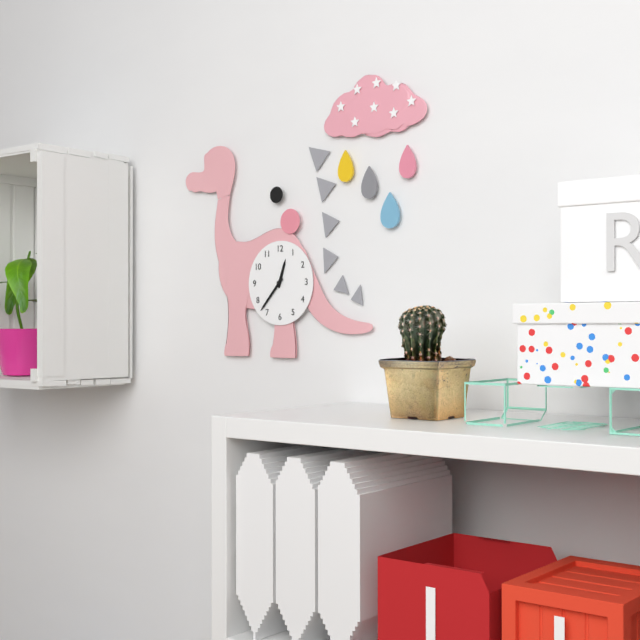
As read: 12:37
